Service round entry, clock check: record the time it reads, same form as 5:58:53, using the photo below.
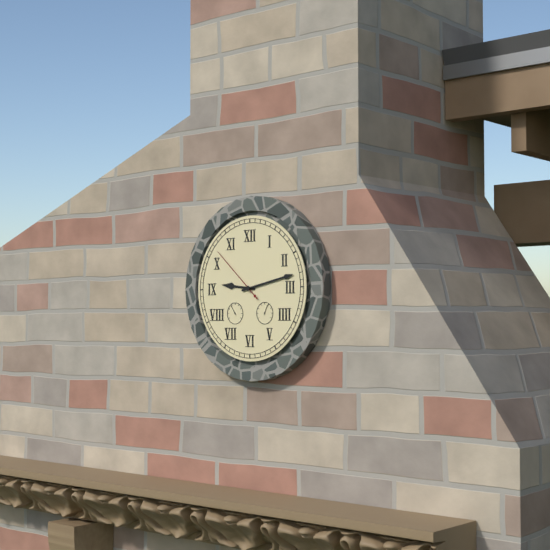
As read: 9:13:52
